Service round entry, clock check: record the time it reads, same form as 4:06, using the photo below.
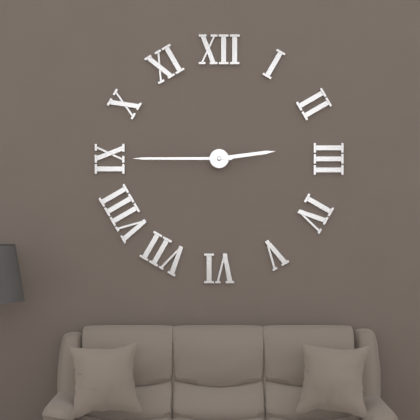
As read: 2:45
